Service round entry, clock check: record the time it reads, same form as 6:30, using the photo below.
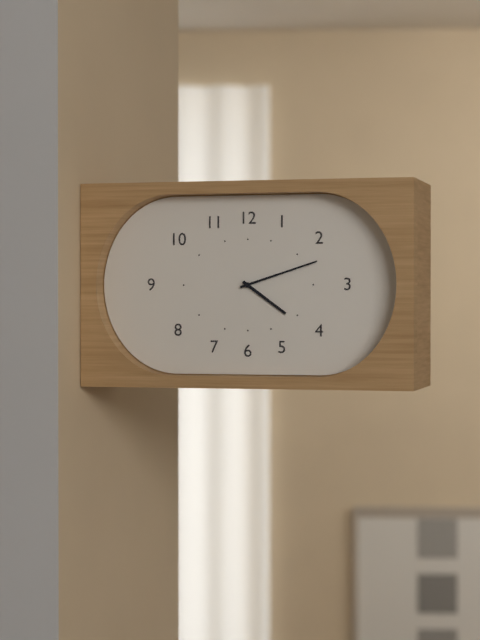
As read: 4:12
